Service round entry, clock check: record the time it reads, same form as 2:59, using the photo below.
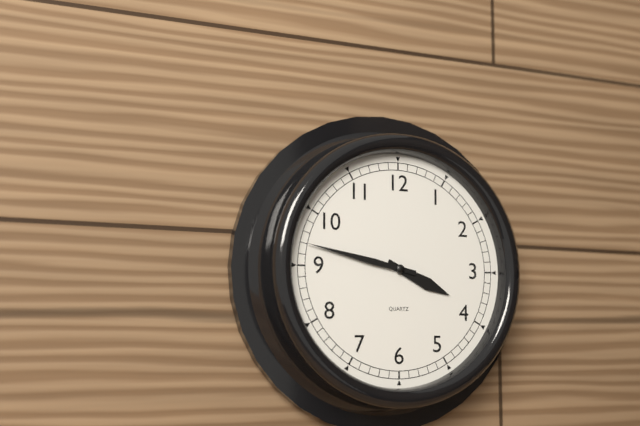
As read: 3:47
